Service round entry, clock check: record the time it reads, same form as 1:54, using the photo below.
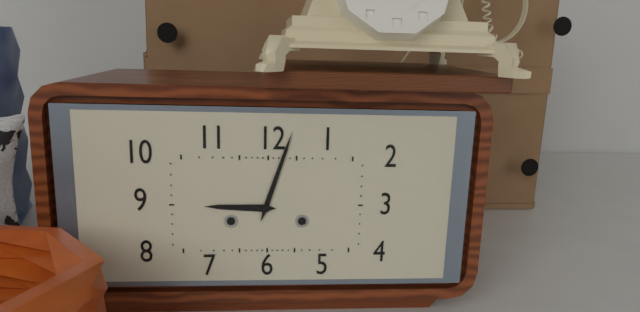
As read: 9:03
